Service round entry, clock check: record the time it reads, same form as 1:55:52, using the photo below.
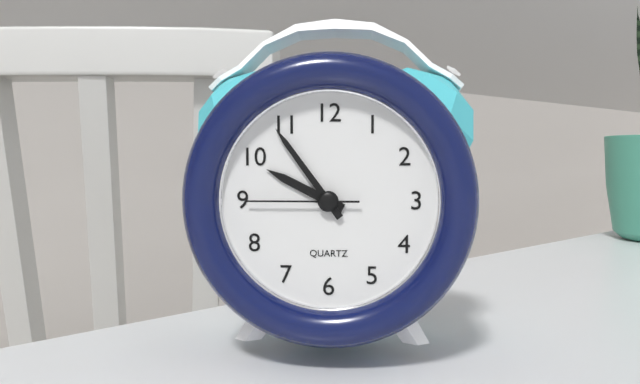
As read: 9:54:45
